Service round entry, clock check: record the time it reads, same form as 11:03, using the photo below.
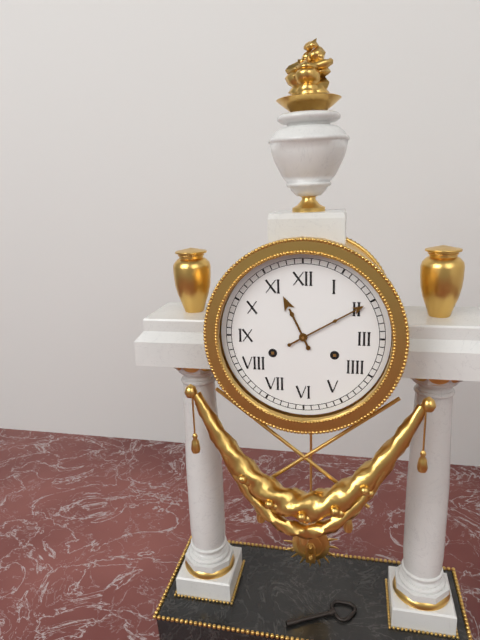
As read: 11:10
